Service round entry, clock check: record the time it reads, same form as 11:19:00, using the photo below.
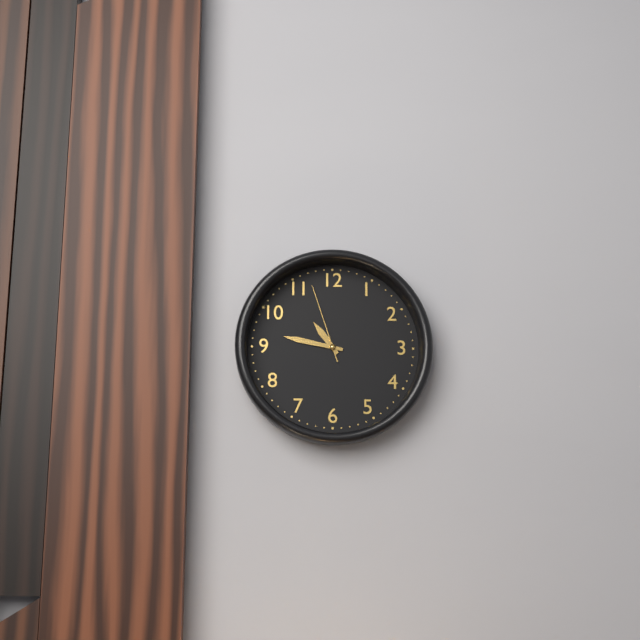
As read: 10:47:57
